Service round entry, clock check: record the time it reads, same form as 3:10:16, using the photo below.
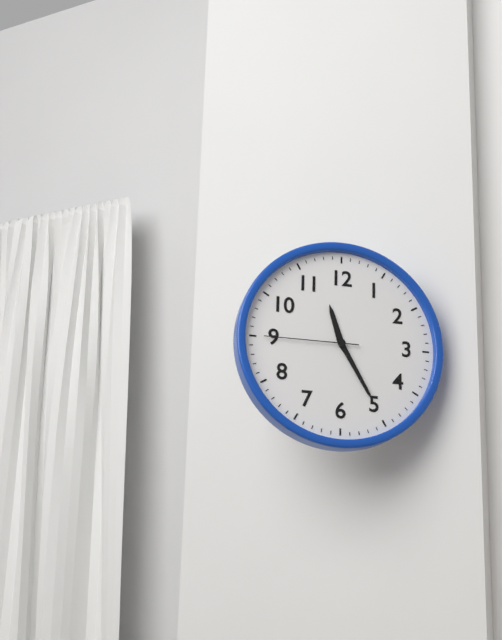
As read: 11:25:45
